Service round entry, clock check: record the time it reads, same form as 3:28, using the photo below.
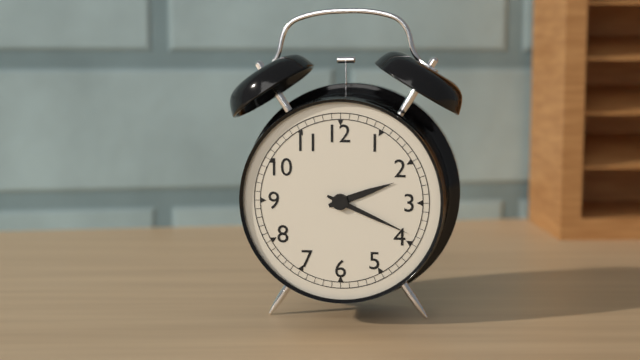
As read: 2:19
